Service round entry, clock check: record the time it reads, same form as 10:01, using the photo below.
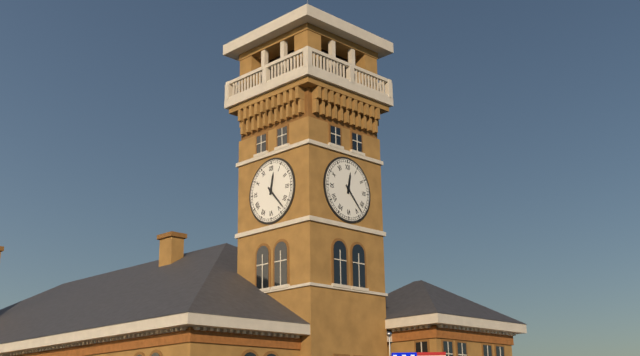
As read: 12:23
